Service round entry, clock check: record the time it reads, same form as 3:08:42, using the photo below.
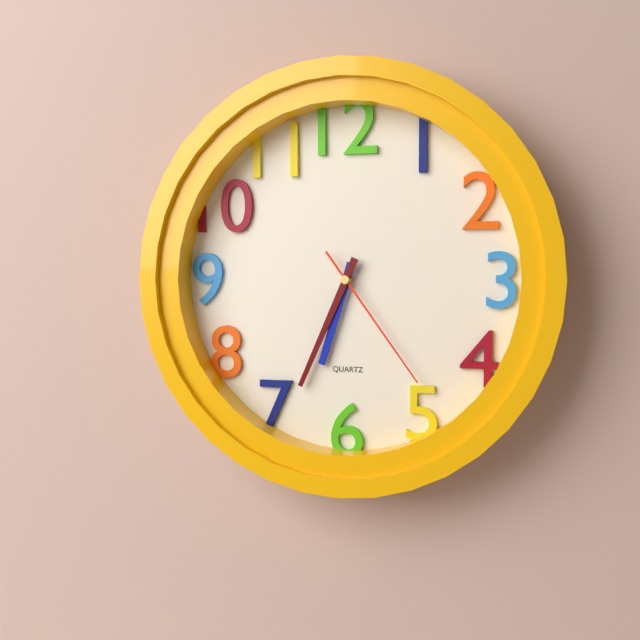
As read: 6:34:24
